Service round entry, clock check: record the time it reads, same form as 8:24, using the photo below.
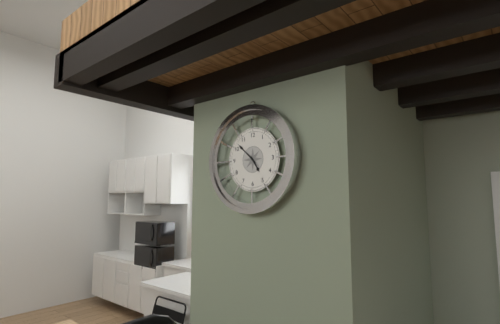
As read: 4:52
